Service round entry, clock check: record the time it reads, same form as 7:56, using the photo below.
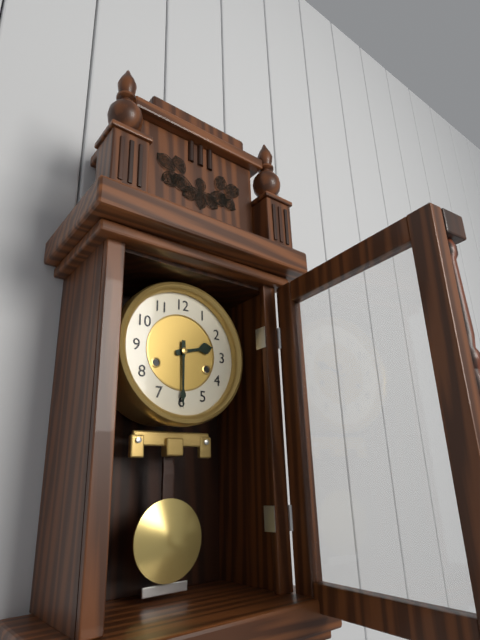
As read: 2:30
